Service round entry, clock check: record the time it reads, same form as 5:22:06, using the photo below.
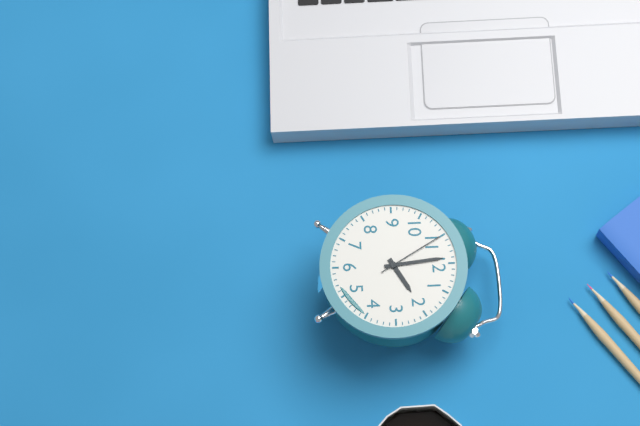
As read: 1:59:55
